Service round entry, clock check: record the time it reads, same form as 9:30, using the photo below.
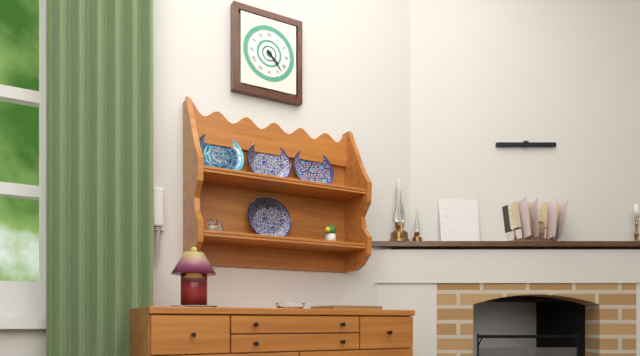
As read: 4:23
